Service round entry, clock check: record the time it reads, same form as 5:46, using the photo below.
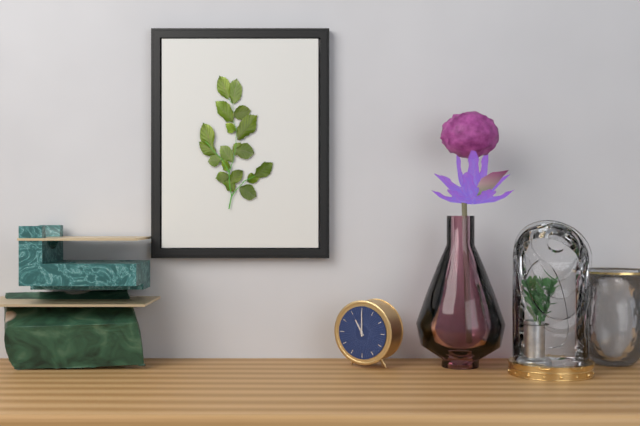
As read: 11:00
